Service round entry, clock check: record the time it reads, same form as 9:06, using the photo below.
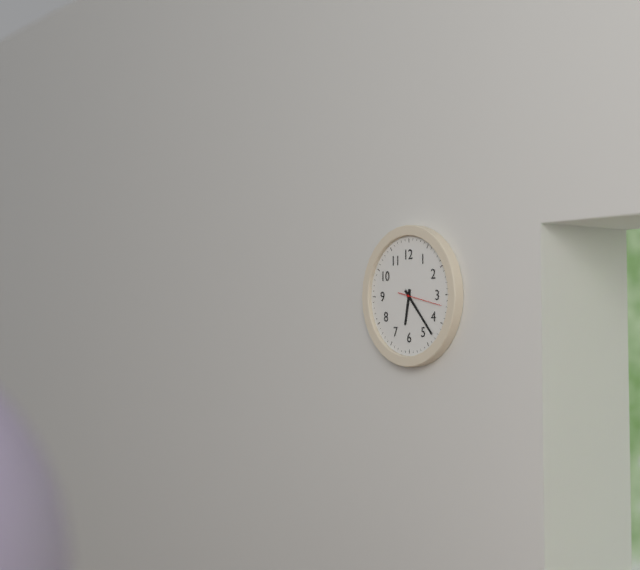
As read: 6:23
